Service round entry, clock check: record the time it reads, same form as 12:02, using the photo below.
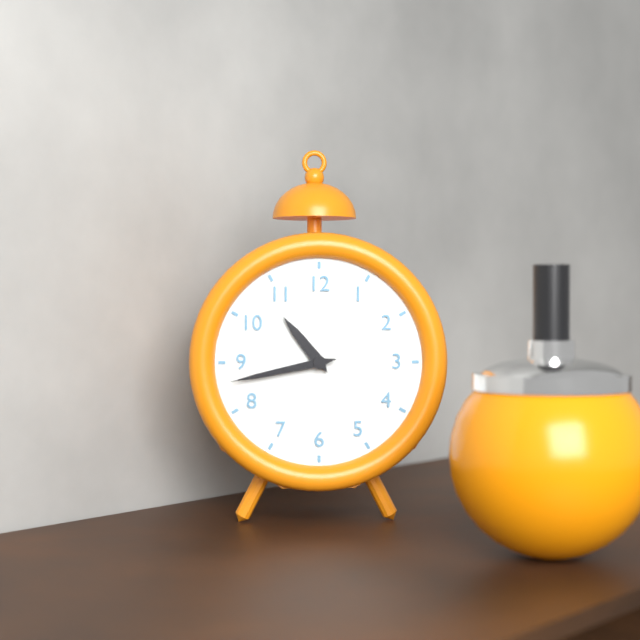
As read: 10:43
